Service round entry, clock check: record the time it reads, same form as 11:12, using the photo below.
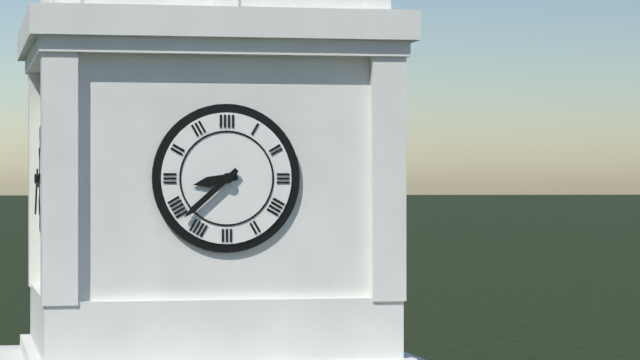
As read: 8:38
